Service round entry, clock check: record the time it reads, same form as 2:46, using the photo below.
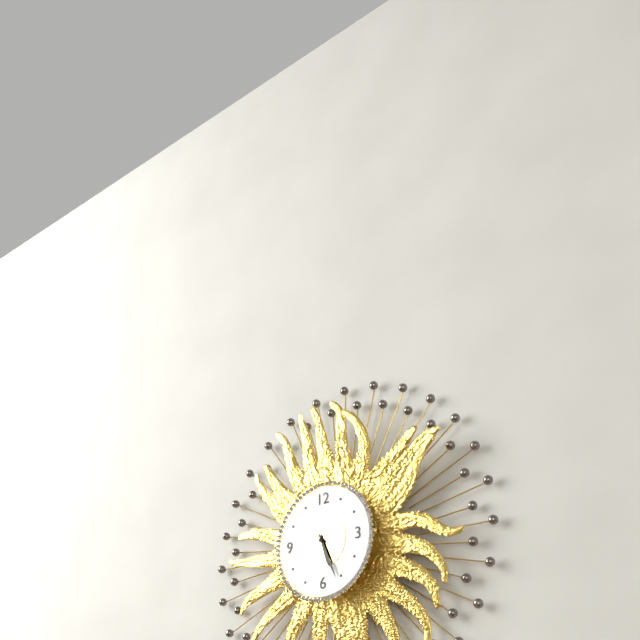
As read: 5:26
